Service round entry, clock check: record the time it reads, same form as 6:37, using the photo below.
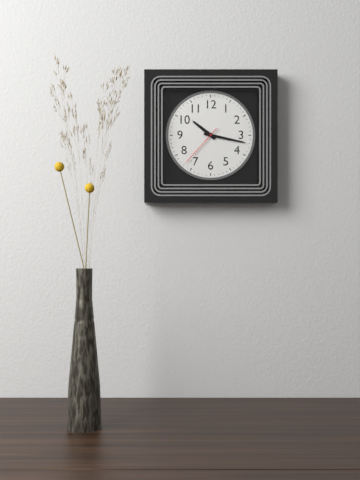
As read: 10:17
